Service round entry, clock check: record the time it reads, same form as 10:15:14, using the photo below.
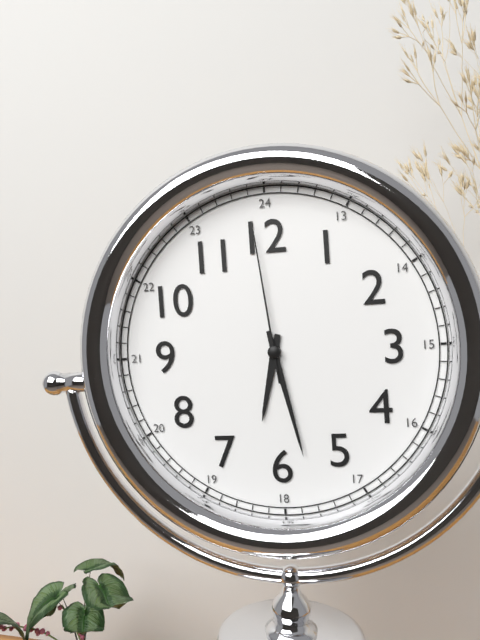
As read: 6:28:59
